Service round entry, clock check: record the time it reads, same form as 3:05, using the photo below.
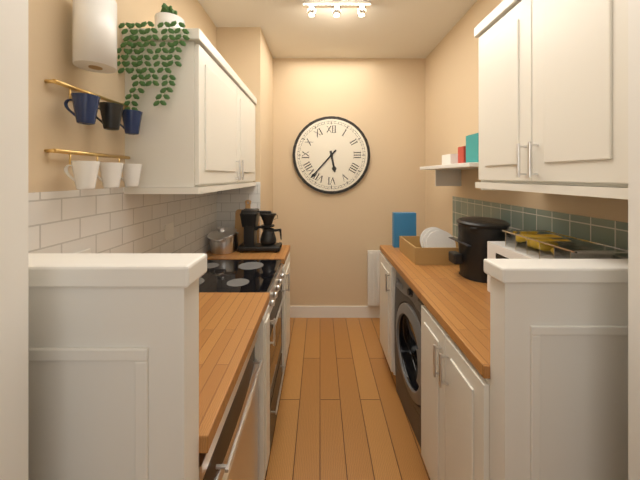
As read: 5:37
